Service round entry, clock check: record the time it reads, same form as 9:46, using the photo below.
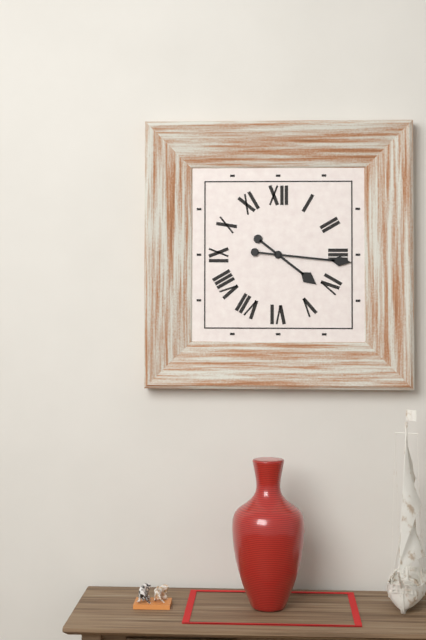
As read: 4:16
